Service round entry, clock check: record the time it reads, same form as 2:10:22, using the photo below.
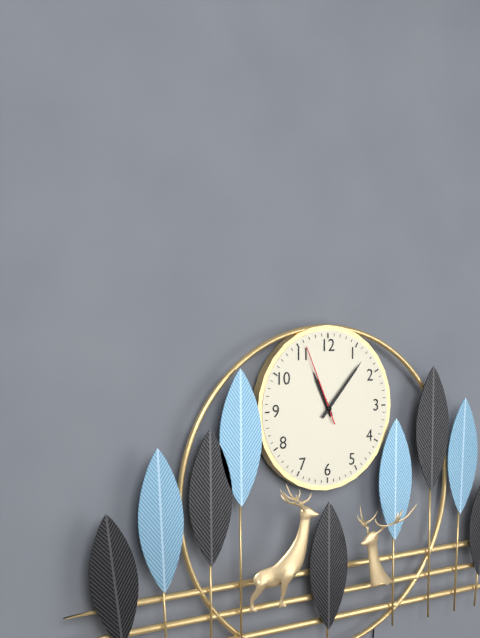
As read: 11:07:56
